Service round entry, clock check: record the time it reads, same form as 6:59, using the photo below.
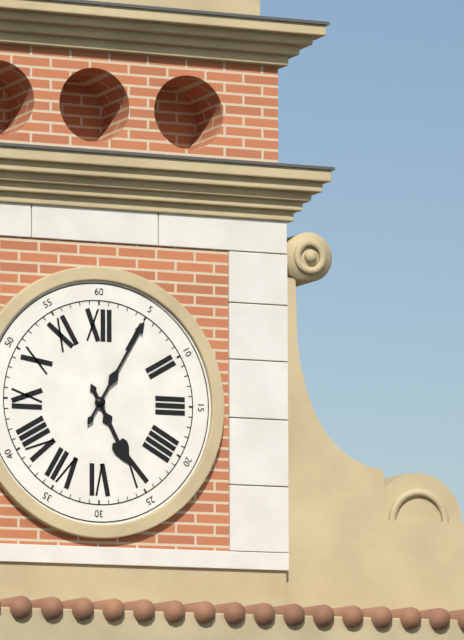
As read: 5:05
